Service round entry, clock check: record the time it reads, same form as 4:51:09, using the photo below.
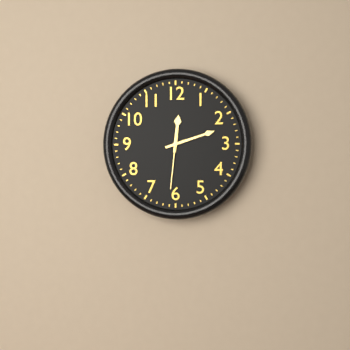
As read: 12:12:31
